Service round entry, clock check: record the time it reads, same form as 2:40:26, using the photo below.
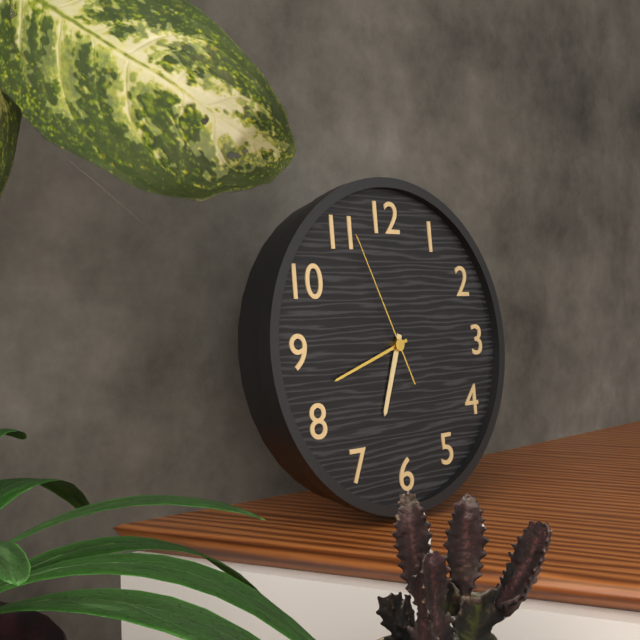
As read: 6:42:56
